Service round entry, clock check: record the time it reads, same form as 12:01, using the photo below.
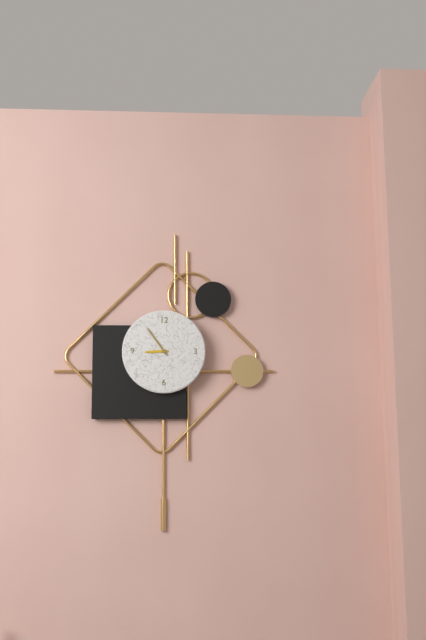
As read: 8:54
